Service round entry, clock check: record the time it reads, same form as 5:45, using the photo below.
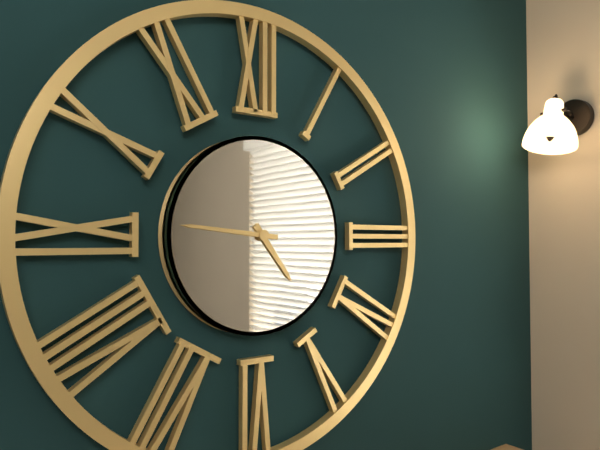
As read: 4:46
